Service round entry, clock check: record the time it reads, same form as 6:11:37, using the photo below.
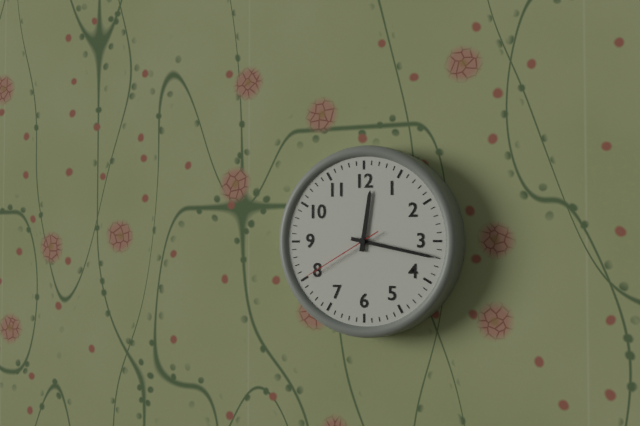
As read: 12:17:40
